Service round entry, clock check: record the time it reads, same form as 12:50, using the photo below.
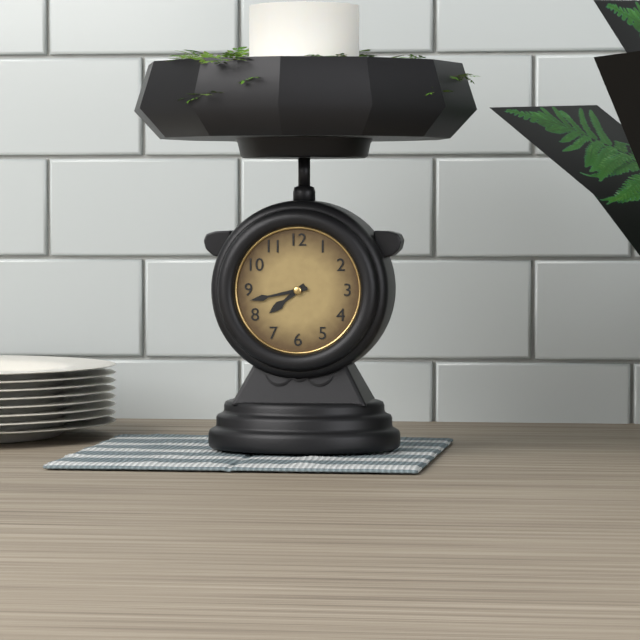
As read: 7:43
